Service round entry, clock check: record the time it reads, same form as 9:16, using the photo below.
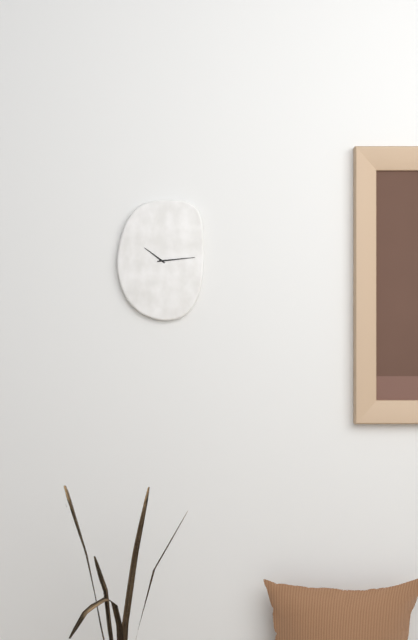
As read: 10:14
